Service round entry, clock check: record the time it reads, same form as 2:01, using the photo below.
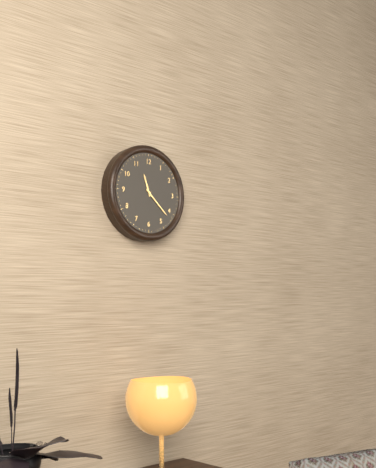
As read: 11:22
